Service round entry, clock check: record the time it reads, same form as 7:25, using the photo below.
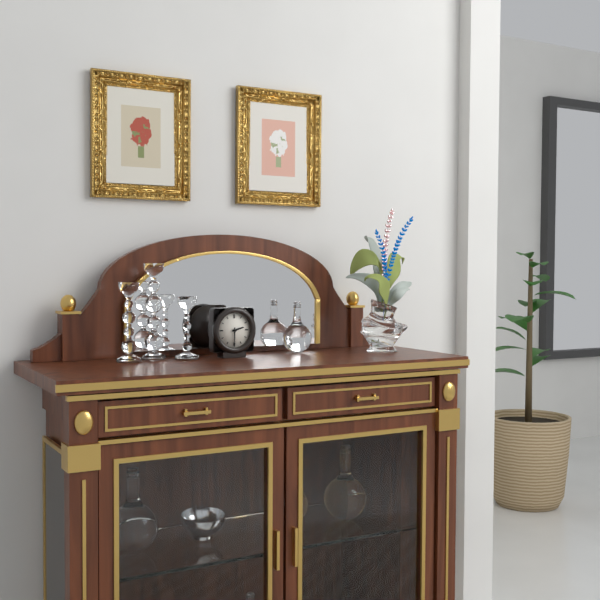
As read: 2:30
